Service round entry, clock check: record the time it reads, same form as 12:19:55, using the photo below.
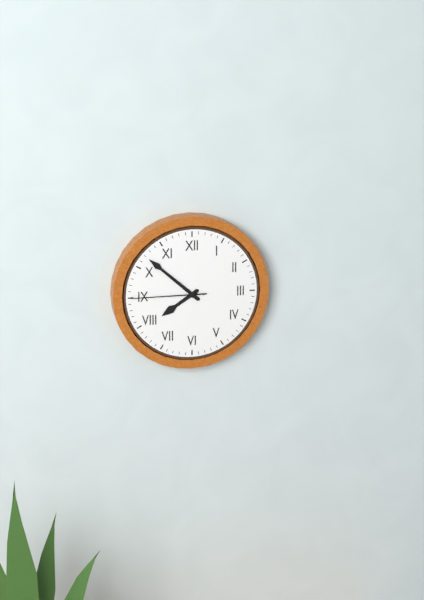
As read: 7:52:45
